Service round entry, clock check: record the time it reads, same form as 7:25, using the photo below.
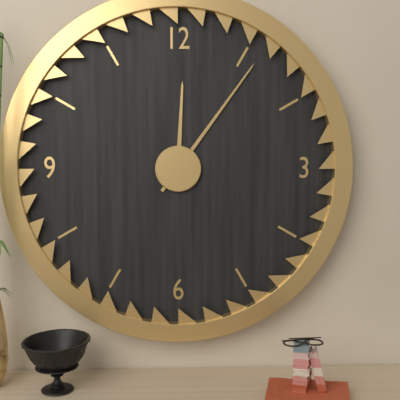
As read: 12:06
